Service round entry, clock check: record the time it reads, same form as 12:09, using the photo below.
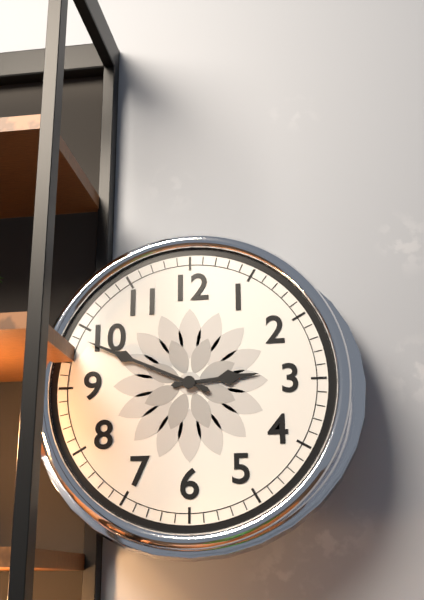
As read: 2:49
